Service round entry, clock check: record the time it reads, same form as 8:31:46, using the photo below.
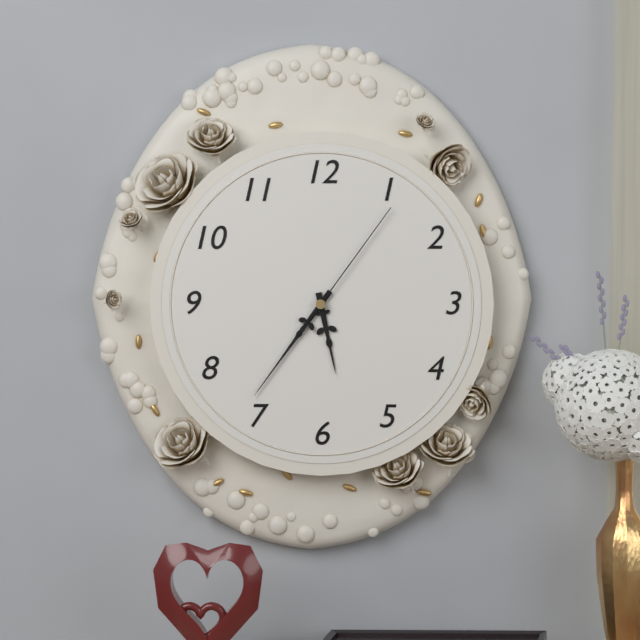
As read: 5:36:06
